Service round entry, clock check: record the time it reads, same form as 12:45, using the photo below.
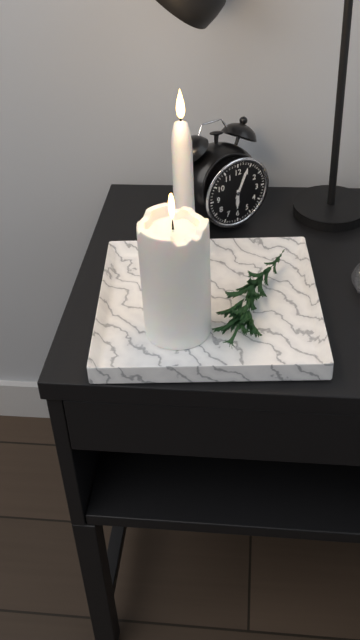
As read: 6:04
